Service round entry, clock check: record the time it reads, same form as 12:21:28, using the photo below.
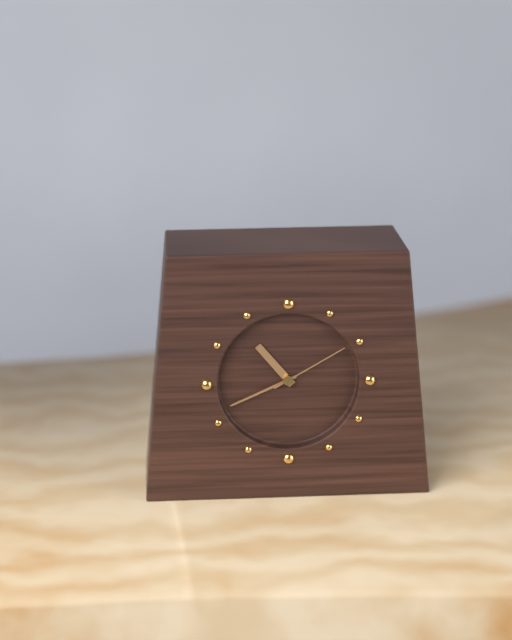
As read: 10:41:10
